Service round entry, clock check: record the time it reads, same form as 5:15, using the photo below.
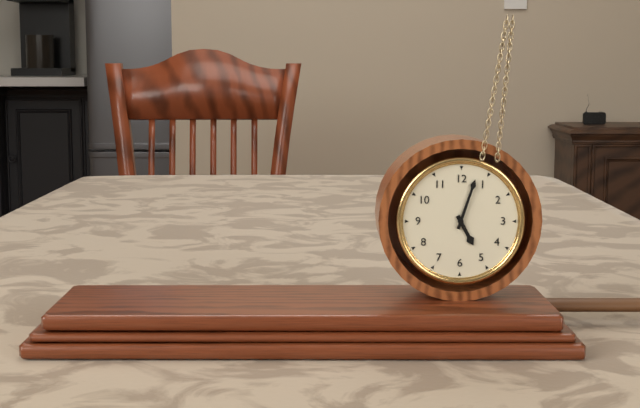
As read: 5:03
